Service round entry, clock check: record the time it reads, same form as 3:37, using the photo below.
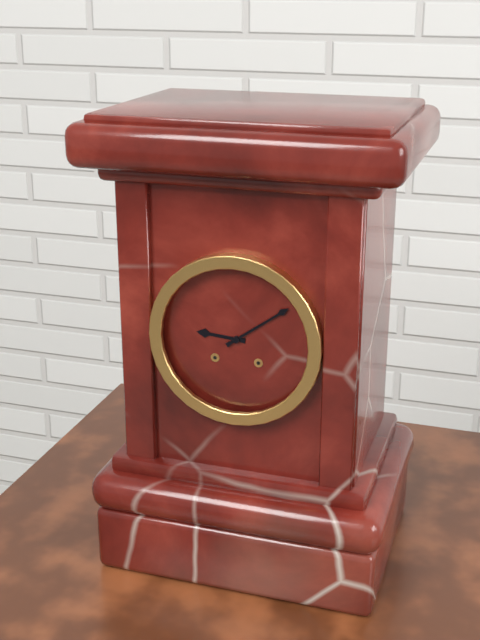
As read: 9:09
